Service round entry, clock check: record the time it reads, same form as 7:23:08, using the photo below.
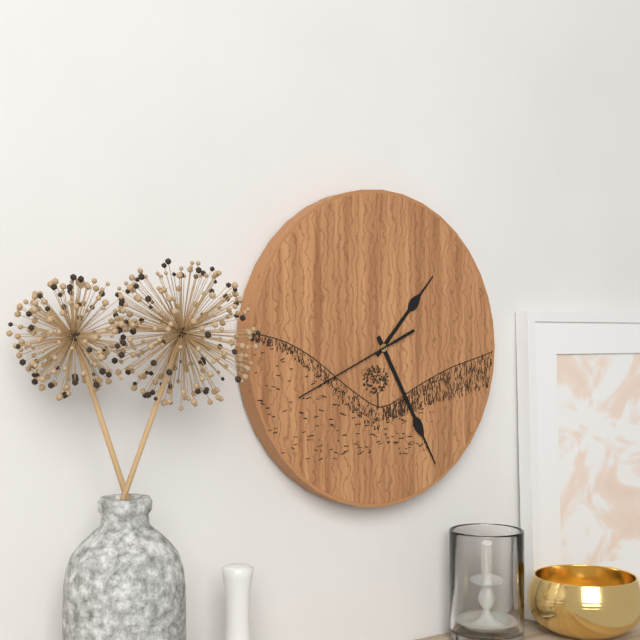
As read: 1:25:41
